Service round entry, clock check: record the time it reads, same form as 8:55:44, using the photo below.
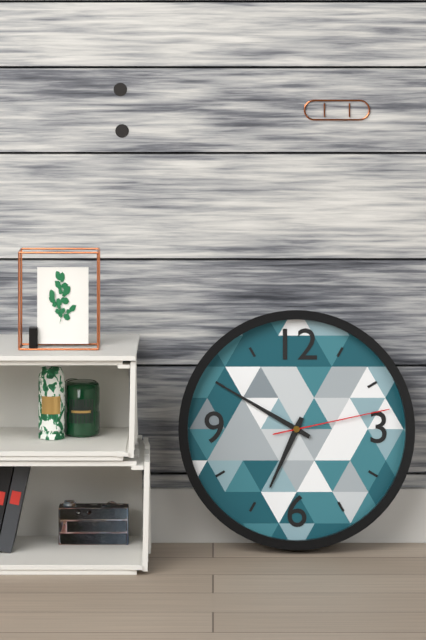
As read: 6:50:13
